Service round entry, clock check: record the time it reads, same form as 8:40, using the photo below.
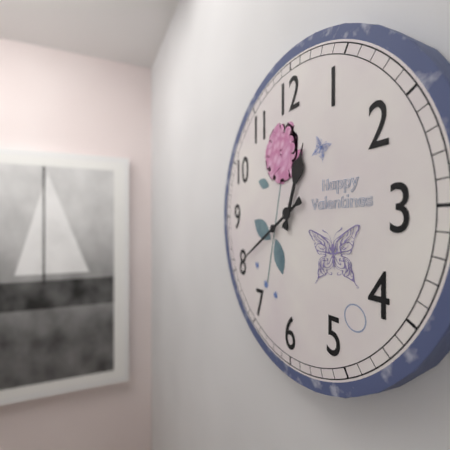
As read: 12:40
